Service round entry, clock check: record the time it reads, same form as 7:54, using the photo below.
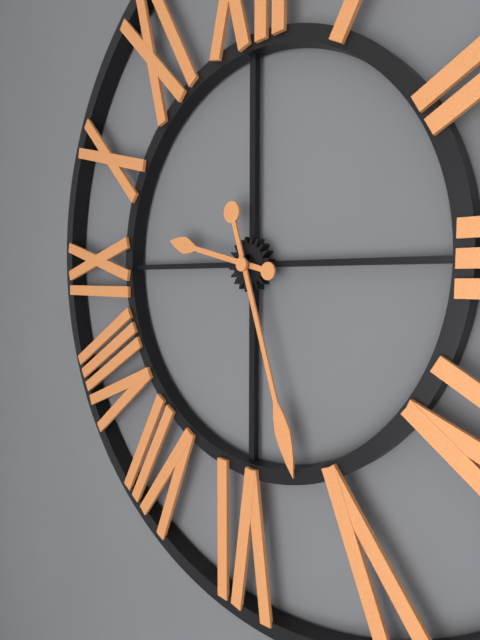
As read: 9:27
